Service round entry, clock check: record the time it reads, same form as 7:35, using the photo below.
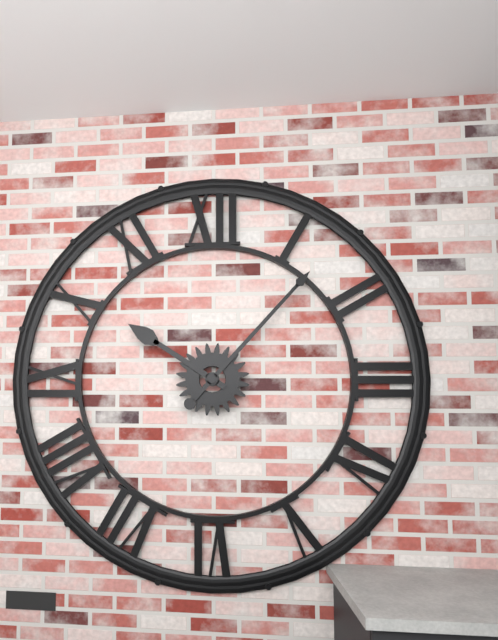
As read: 10:07
